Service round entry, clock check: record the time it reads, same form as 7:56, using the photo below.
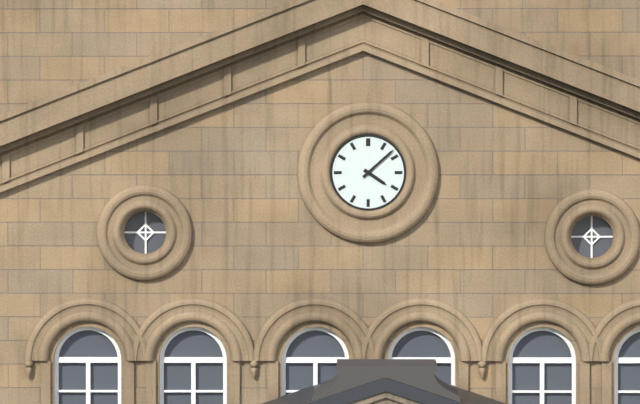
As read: 4:08
